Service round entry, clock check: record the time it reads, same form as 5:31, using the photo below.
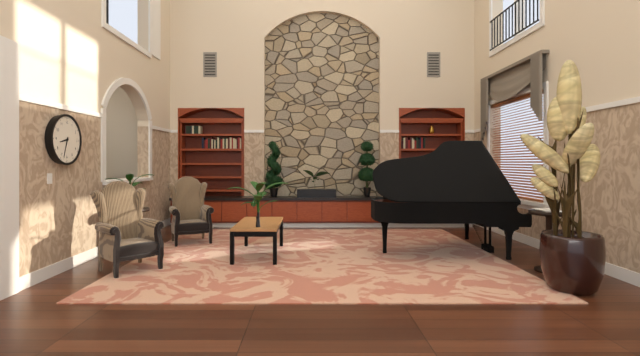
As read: 8:33
